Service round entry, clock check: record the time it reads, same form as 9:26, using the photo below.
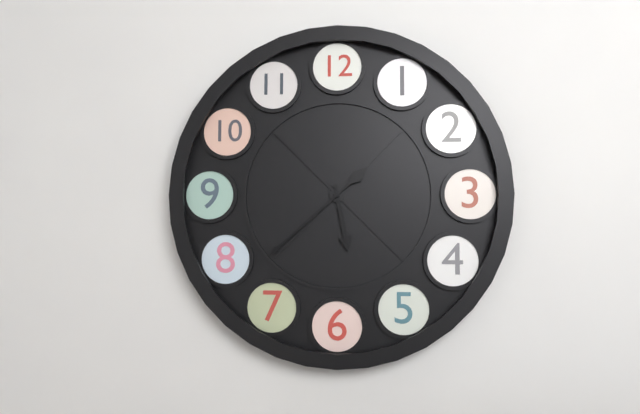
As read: 5:38
